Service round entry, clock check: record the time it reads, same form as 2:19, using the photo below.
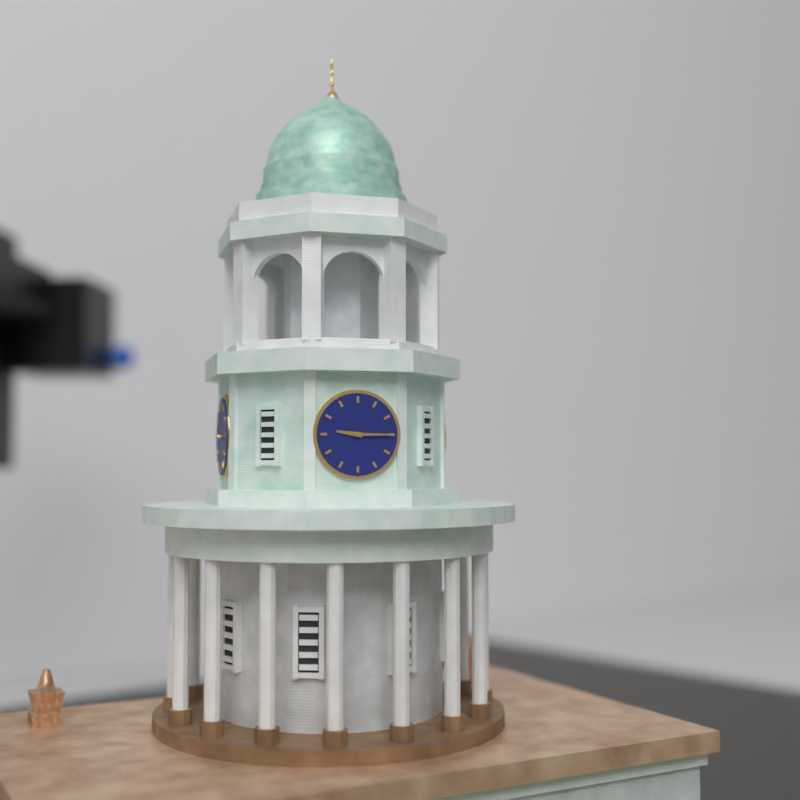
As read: 9:15
